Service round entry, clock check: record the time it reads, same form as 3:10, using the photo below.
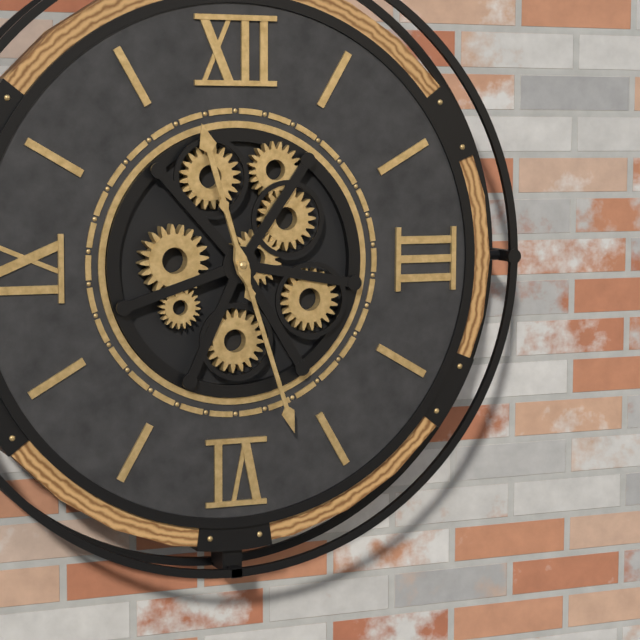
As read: 11:27
